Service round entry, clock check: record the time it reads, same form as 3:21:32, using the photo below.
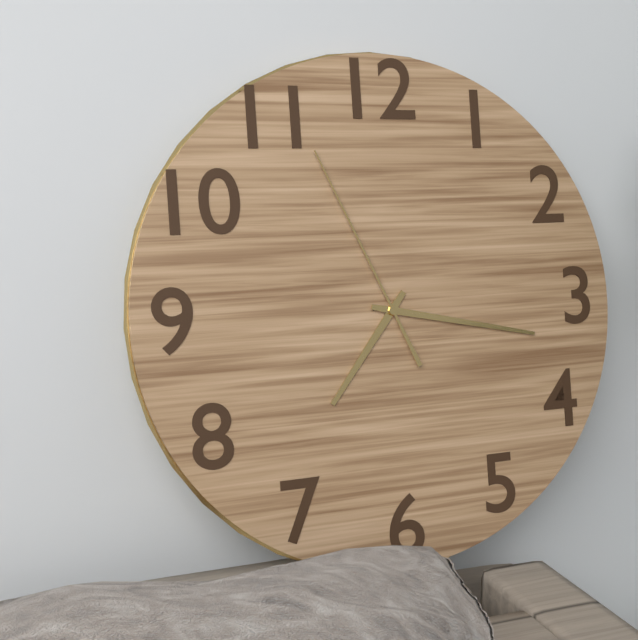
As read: 7:17:56
